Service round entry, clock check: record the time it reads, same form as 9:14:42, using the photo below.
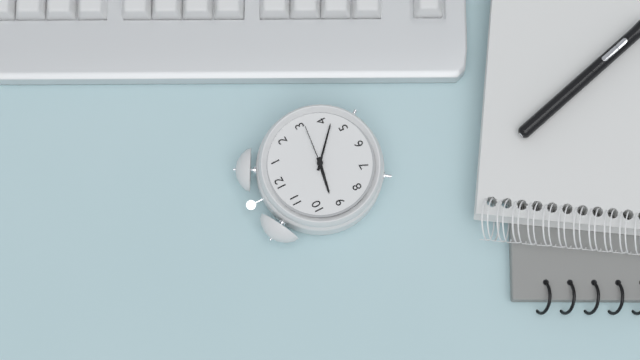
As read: 9:22:16
